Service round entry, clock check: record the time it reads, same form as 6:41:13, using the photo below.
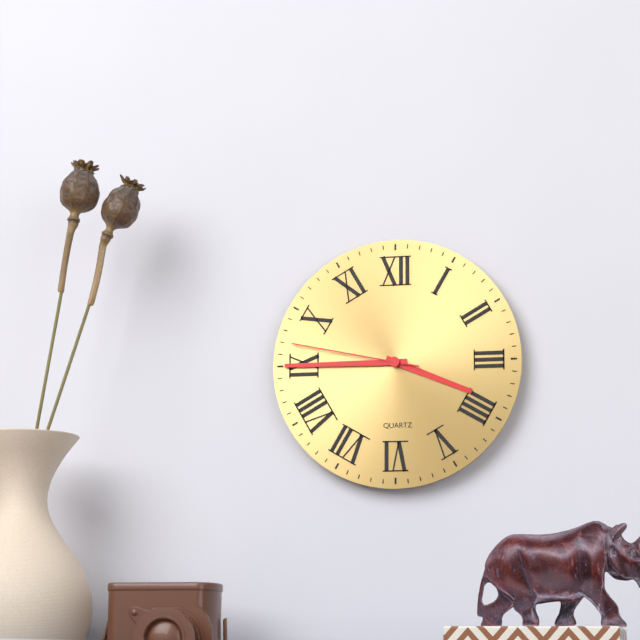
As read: 3:45:47
